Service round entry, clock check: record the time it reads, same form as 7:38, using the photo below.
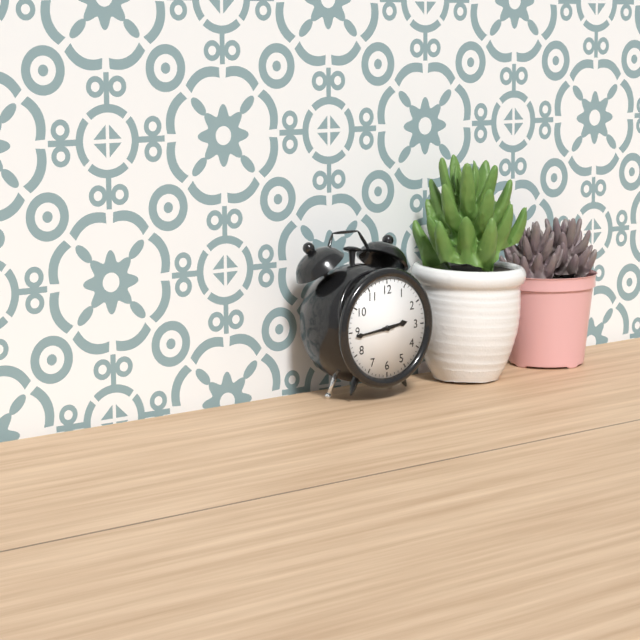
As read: 2:44
